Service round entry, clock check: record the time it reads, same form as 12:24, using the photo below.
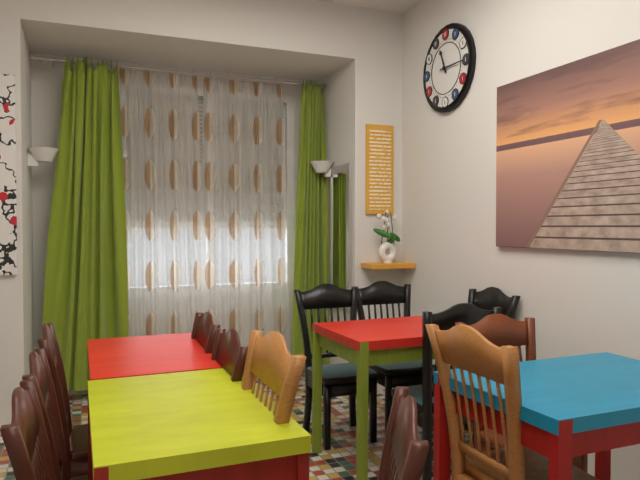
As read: 11:15
